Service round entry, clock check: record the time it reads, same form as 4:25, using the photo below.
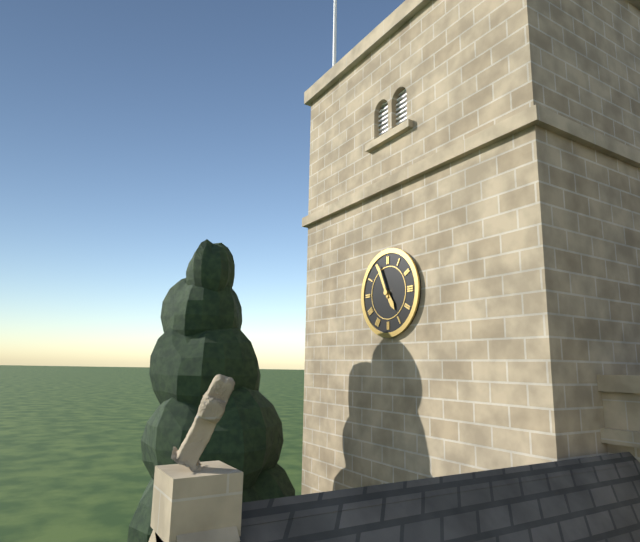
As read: 4:56
